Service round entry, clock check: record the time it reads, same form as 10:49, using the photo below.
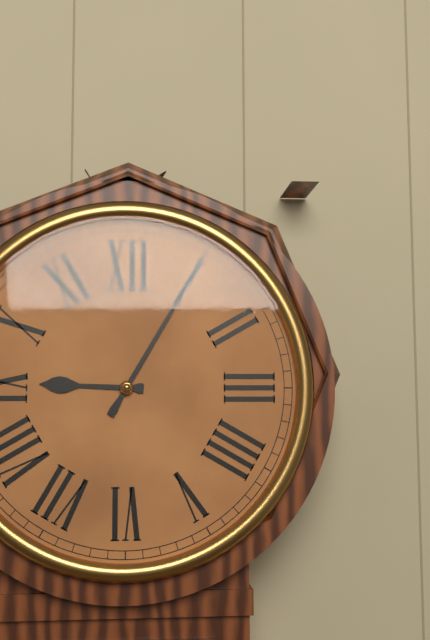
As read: 9:05
